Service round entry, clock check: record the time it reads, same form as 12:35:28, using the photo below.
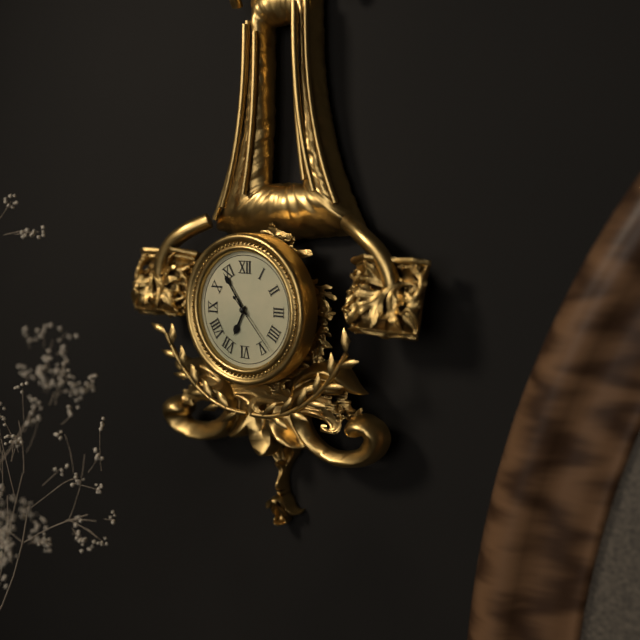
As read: 6:54:23
